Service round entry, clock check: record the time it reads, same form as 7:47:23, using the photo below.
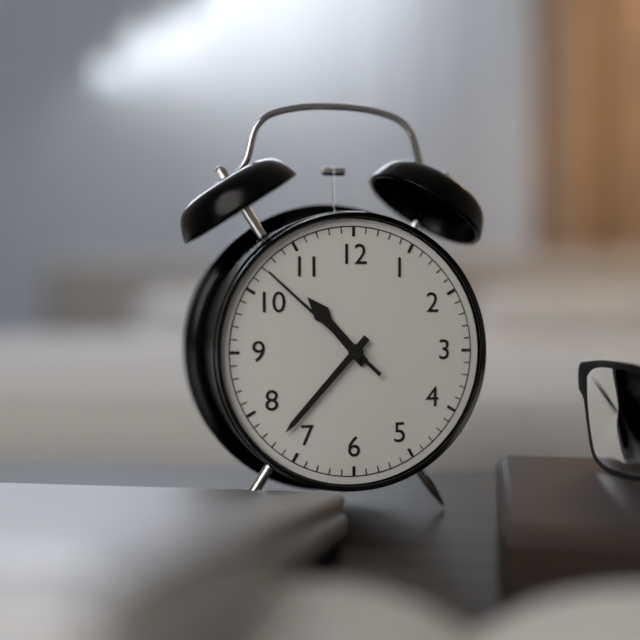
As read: 10:37:52
